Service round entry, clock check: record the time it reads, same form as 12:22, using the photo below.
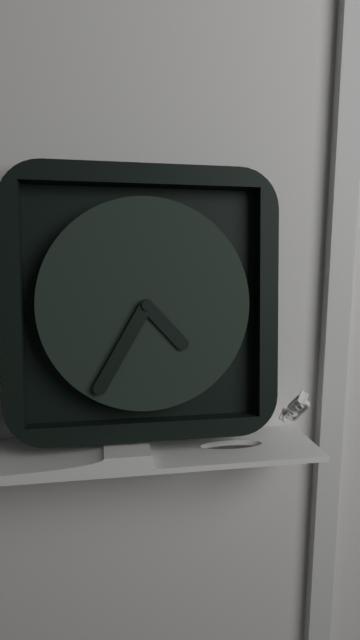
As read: 4:35
